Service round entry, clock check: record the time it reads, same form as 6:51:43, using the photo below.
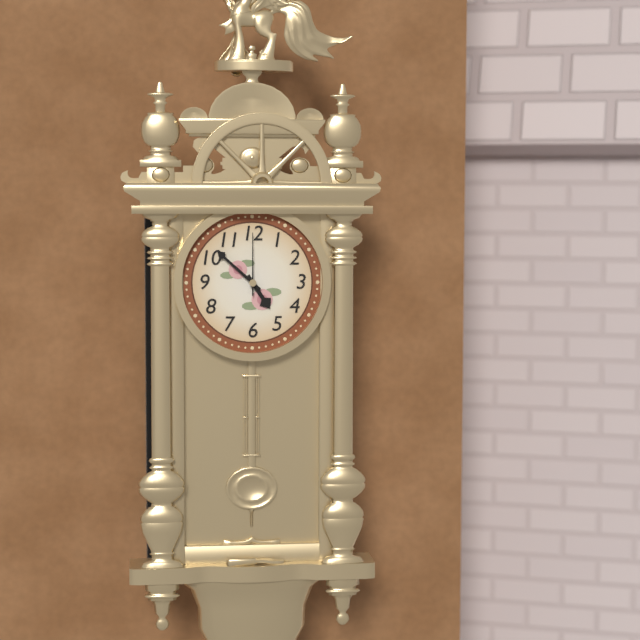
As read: 4:52:00
